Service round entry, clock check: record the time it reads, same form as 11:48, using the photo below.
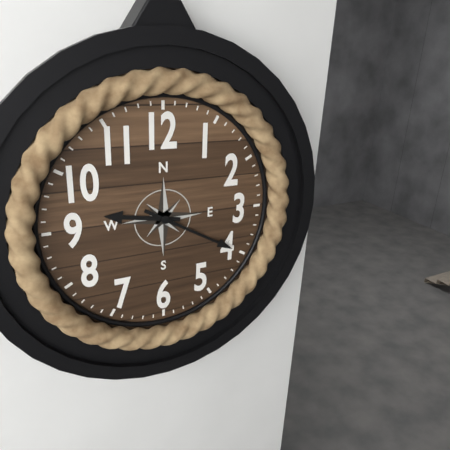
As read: 9:20
